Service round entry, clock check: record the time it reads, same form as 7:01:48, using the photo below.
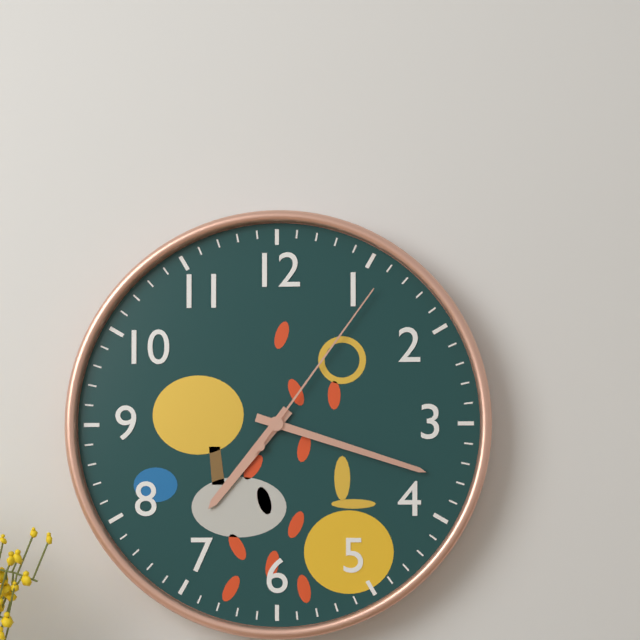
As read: 7:18:06
